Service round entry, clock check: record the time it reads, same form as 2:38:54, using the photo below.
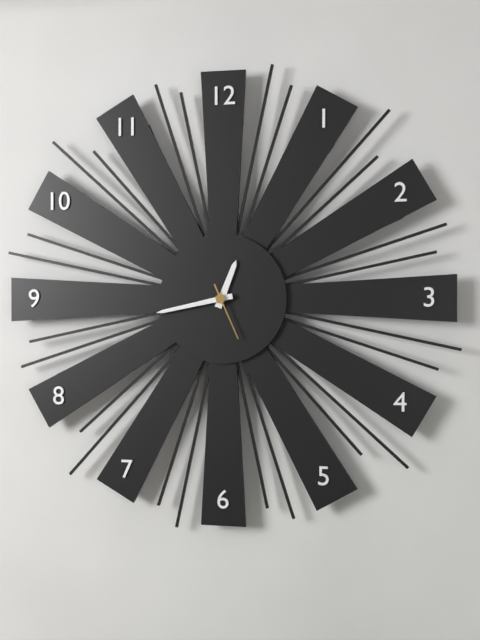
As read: 12:43:26
